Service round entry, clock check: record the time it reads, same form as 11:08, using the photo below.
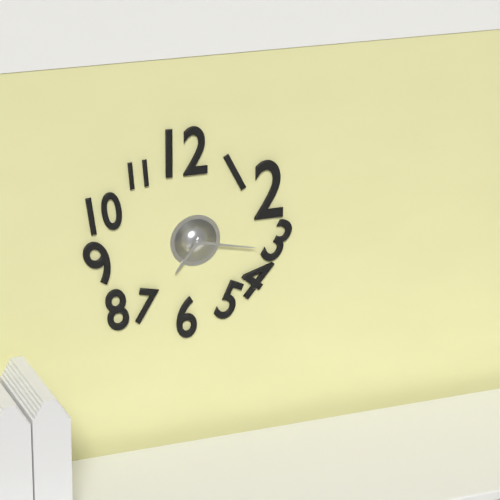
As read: 7:17
